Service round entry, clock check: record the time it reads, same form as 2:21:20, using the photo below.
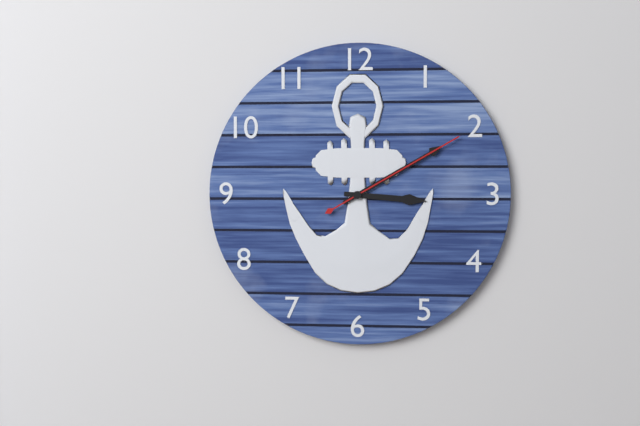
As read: 3:10:10
